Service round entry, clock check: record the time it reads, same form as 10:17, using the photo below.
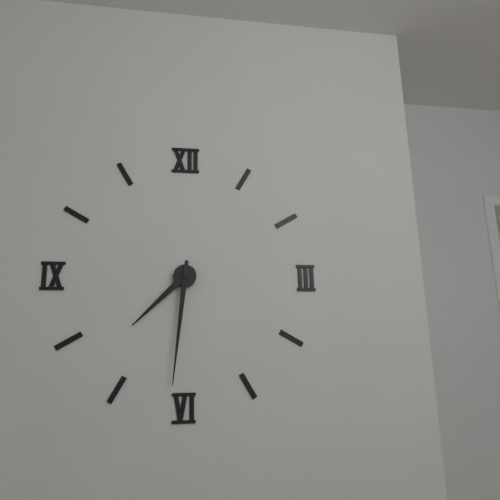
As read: 7:31
